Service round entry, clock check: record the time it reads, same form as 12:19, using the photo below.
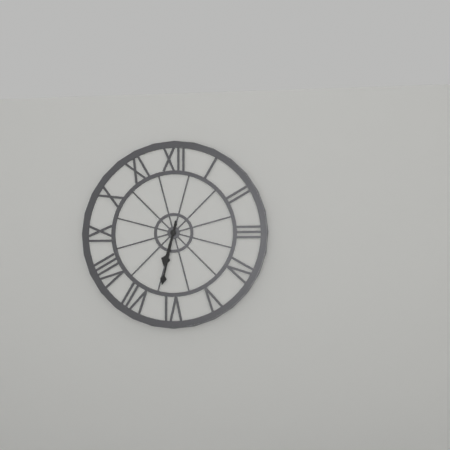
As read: 6:32
